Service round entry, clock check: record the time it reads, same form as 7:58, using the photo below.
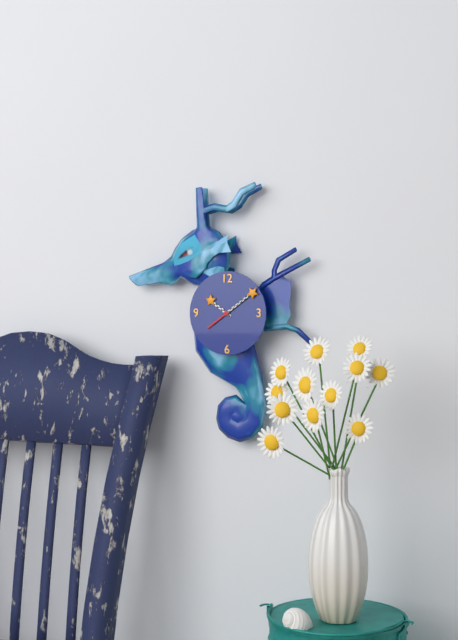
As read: 10:09
